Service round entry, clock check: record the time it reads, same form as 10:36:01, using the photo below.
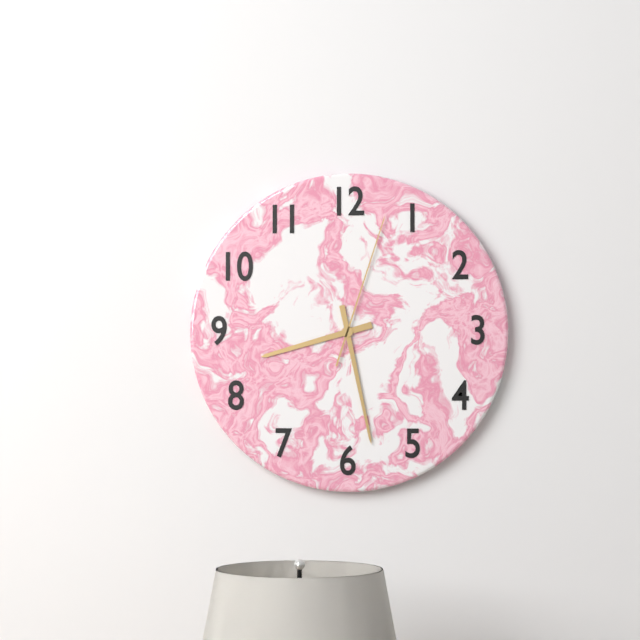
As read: 8:28:03
